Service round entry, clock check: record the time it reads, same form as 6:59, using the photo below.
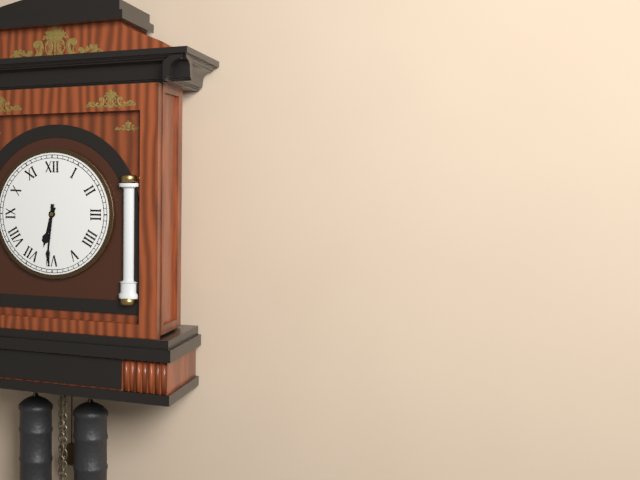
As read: 6:31
